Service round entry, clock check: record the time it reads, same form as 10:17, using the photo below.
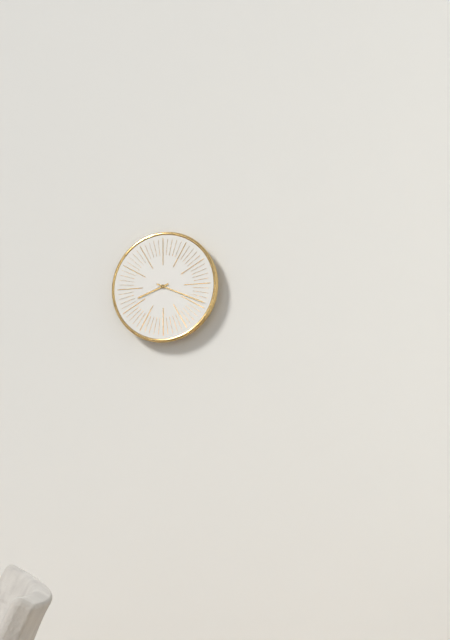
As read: 8:19
